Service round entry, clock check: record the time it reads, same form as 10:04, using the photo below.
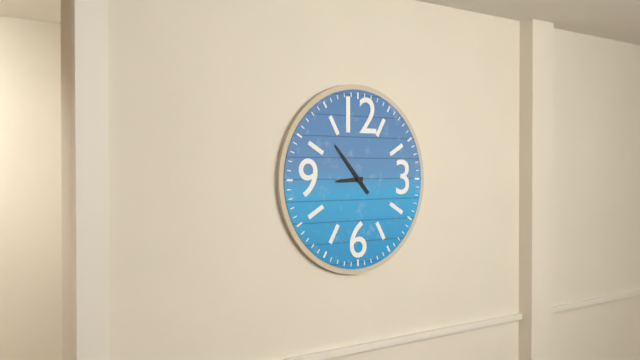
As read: 8:53
